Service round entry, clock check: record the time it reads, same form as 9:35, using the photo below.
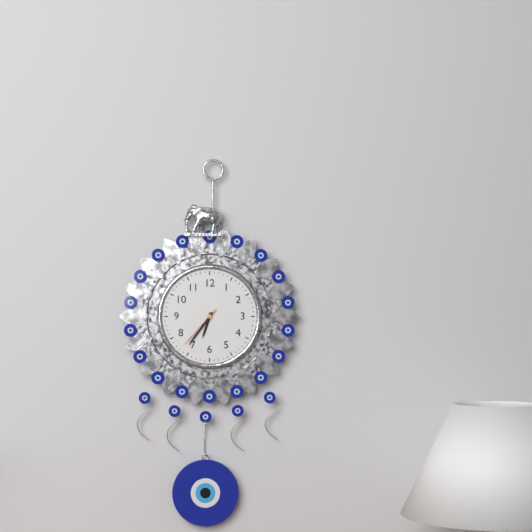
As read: 6:36
